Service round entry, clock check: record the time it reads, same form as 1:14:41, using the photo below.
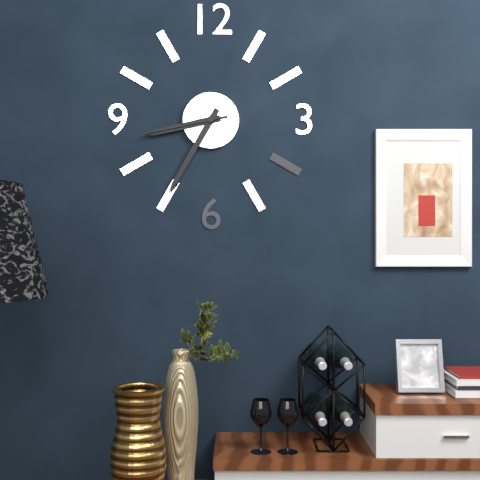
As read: 8:35:43
